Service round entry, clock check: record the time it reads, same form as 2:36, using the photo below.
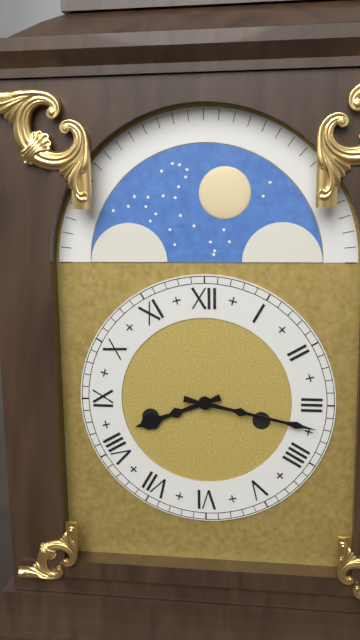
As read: 8:17
